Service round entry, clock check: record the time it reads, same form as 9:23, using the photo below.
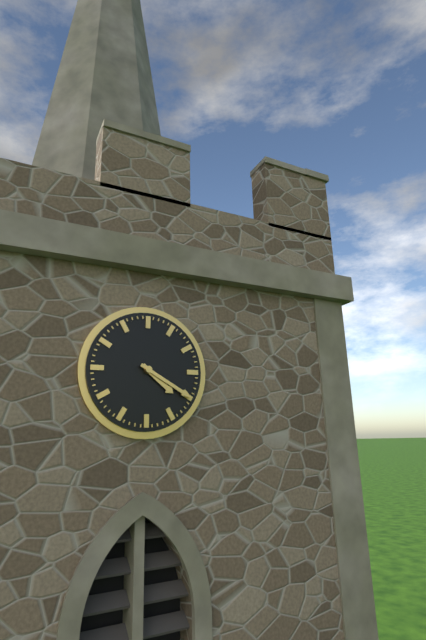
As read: 4:20
